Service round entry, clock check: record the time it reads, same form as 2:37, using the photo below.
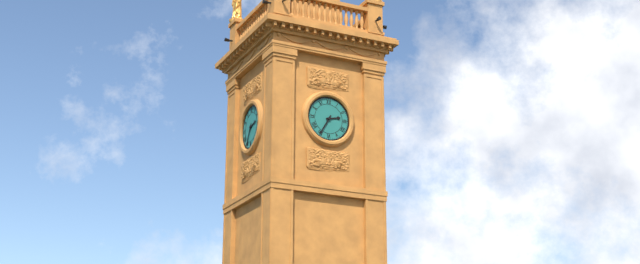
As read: 2:35
